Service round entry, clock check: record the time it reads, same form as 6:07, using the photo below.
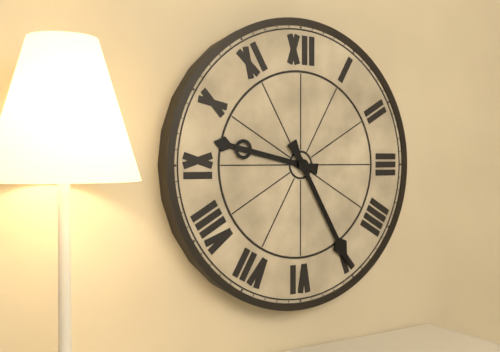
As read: 9:25
